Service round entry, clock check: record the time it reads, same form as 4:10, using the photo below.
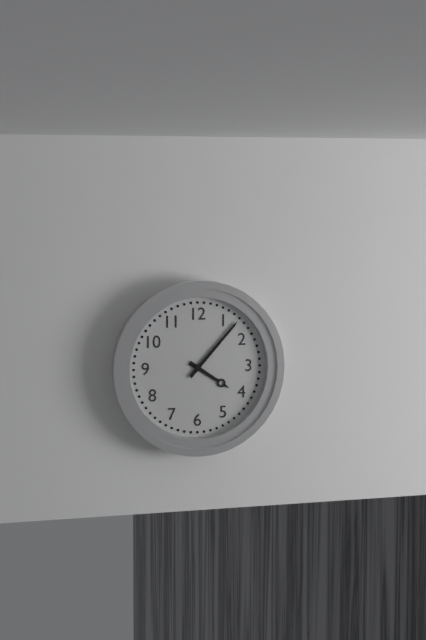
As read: 4:07
